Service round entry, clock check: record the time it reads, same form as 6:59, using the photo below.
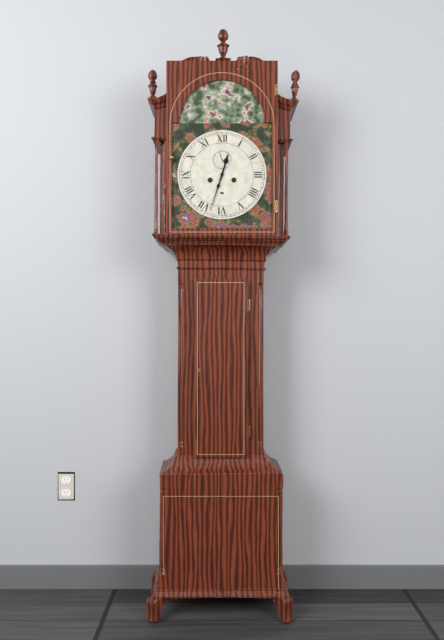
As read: 12:33
